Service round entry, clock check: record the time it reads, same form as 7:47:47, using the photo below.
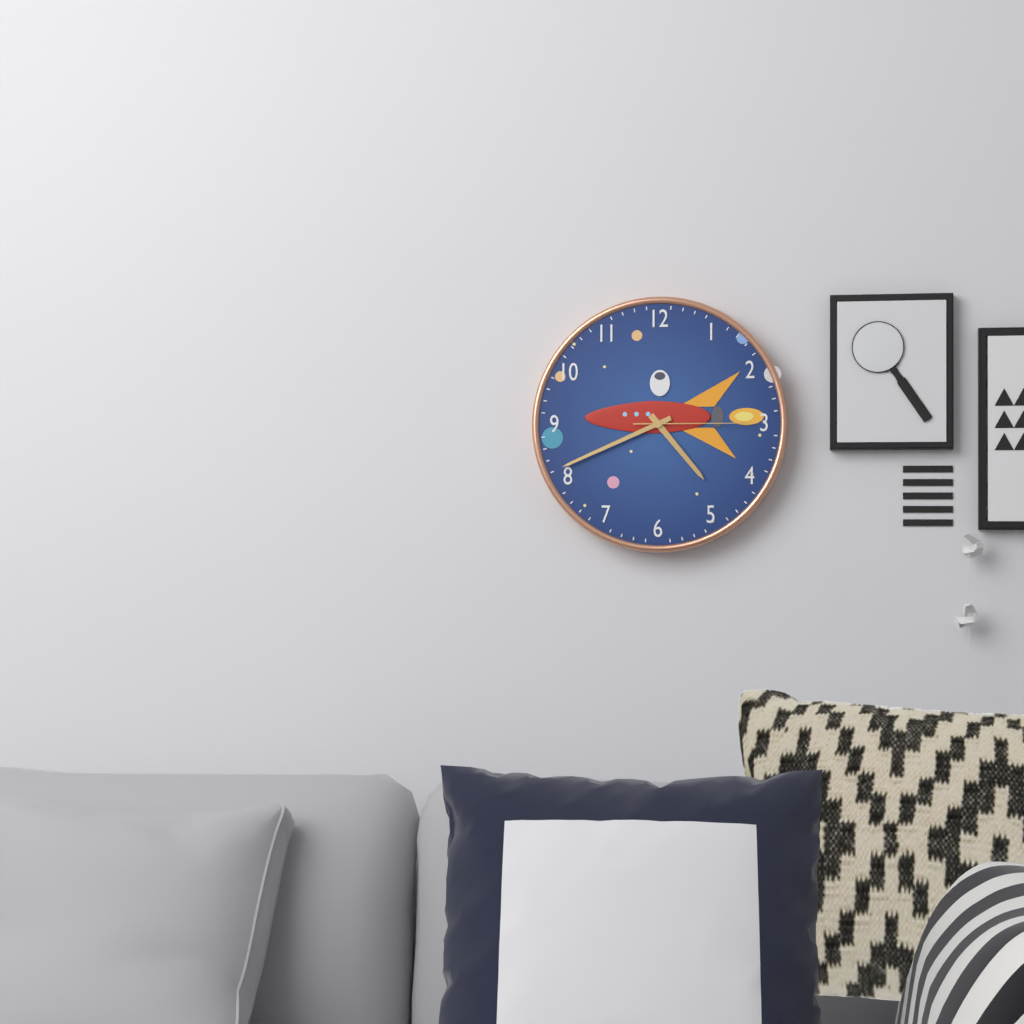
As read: 4:41:15
